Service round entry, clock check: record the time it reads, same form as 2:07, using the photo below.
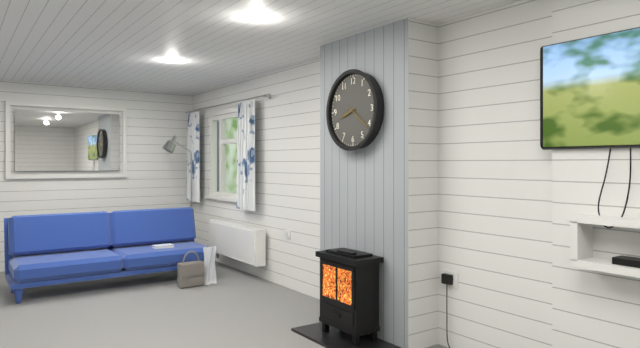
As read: 8:21
